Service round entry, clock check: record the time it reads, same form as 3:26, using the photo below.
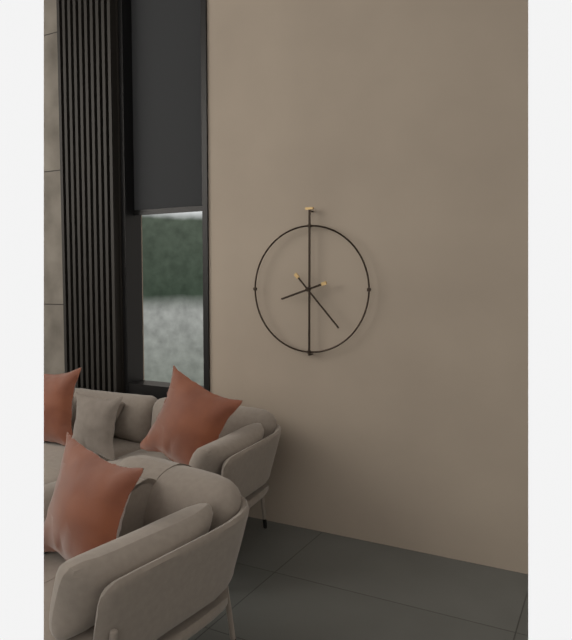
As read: 8:23
